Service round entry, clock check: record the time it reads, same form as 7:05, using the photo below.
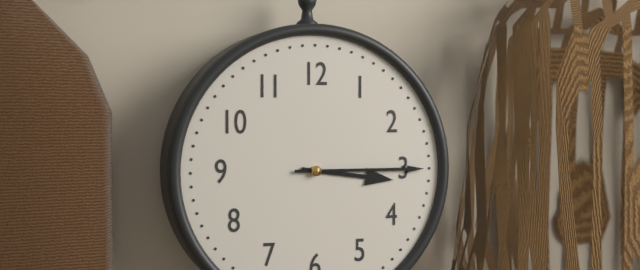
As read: 3:15
